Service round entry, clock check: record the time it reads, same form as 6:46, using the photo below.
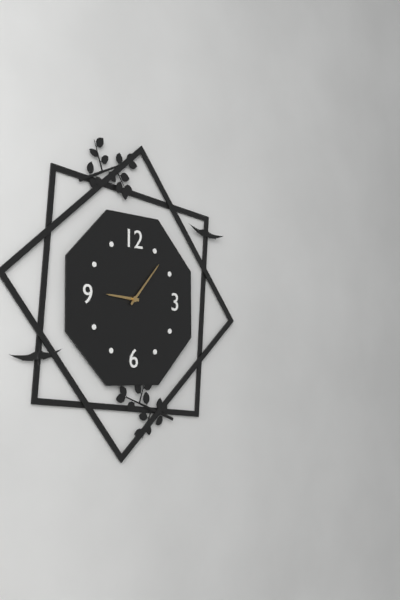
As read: 9:07
